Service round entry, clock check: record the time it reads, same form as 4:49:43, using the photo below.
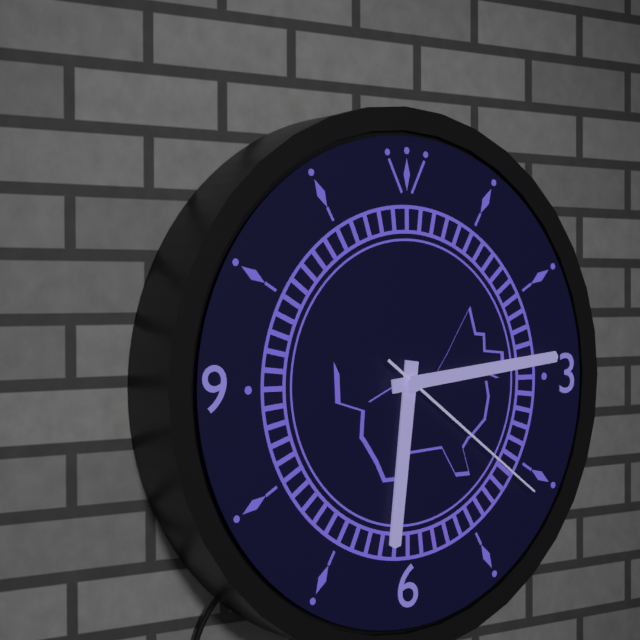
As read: 6:14:21
